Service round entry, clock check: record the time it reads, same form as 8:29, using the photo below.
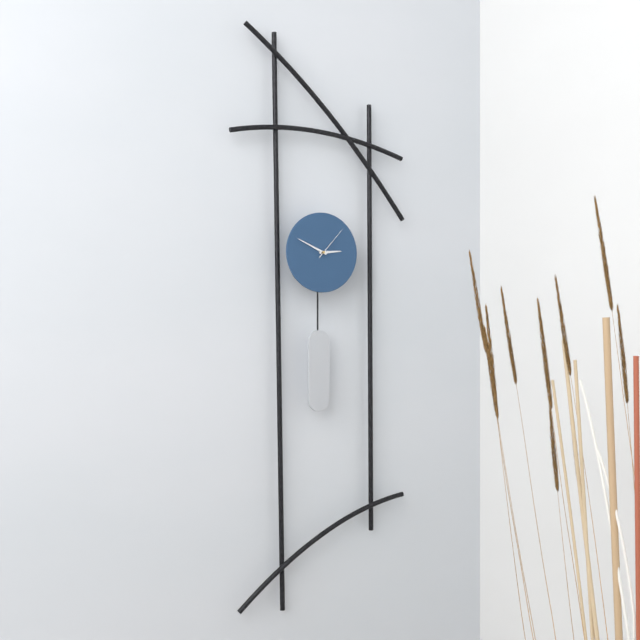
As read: 2:49
